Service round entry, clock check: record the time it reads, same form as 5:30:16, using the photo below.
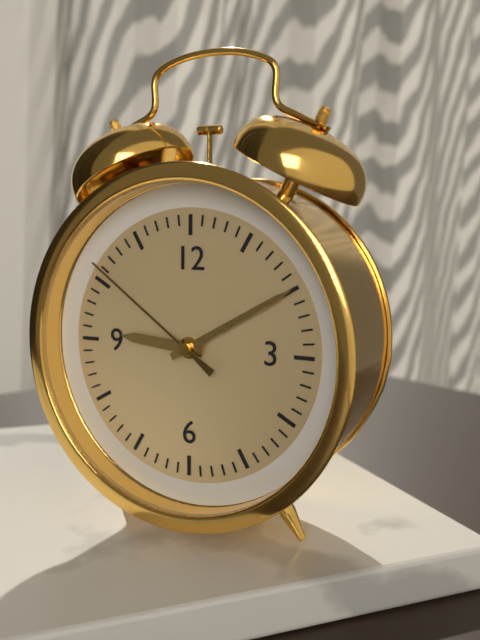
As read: 9:10:51
